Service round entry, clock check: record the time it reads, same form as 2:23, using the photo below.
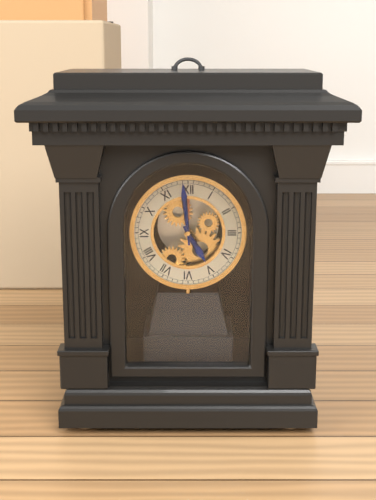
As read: 4:59
